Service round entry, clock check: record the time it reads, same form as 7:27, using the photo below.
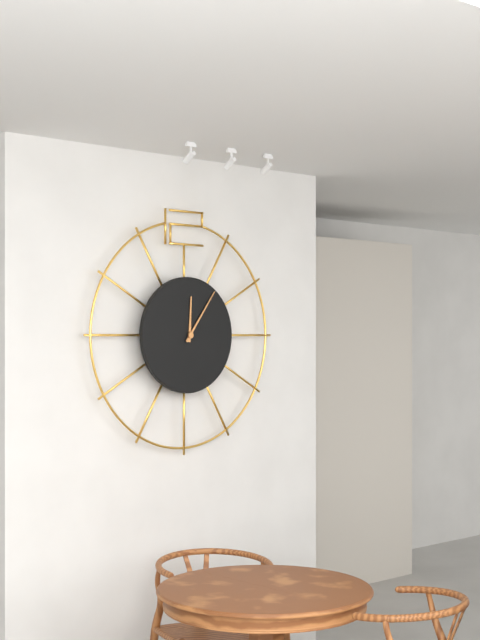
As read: 12:06
